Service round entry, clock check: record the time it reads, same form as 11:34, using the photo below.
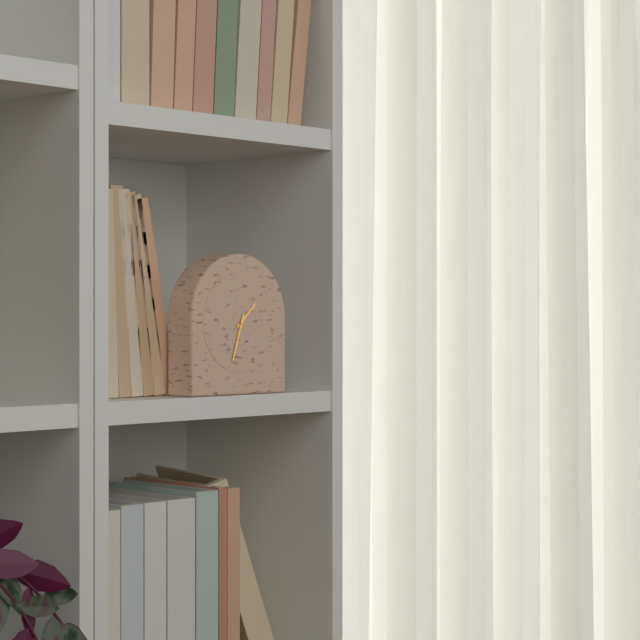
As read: 1:33
